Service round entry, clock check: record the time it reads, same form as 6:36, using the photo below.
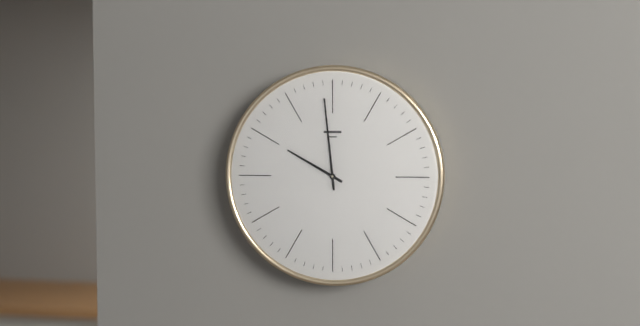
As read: 9:59
